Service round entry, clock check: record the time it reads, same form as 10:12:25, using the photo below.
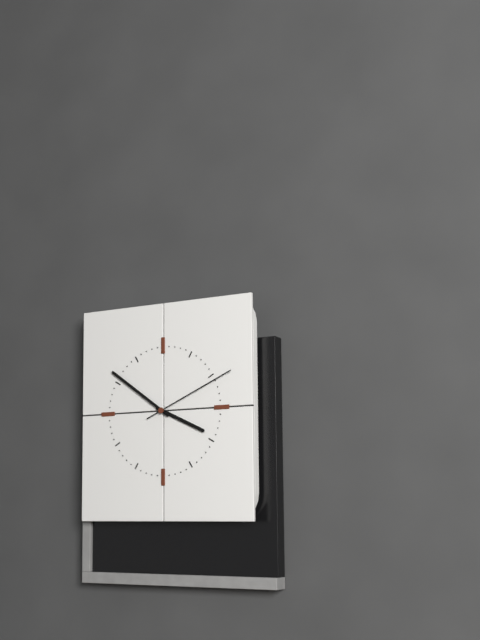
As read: 3:51:11
